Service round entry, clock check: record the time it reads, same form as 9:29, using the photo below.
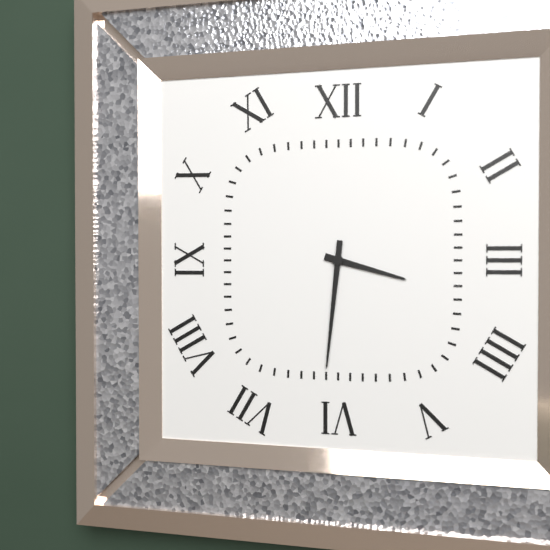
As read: 3:31
